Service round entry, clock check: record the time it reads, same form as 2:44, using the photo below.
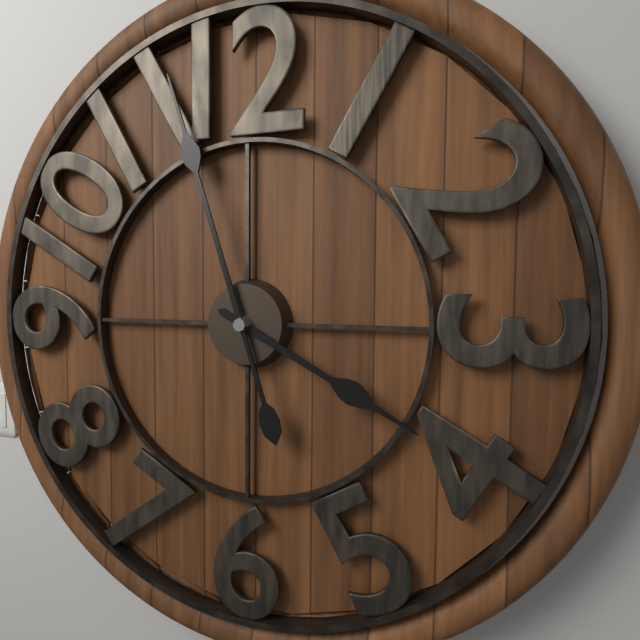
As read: 3:57
